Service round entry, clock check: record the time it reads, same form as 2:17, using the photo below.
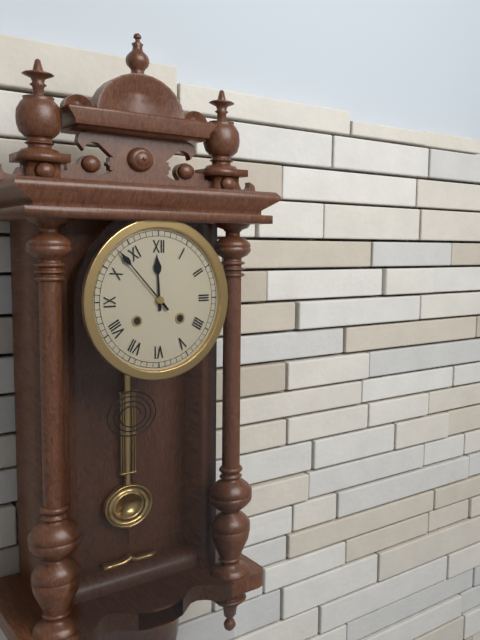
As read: 11:53
